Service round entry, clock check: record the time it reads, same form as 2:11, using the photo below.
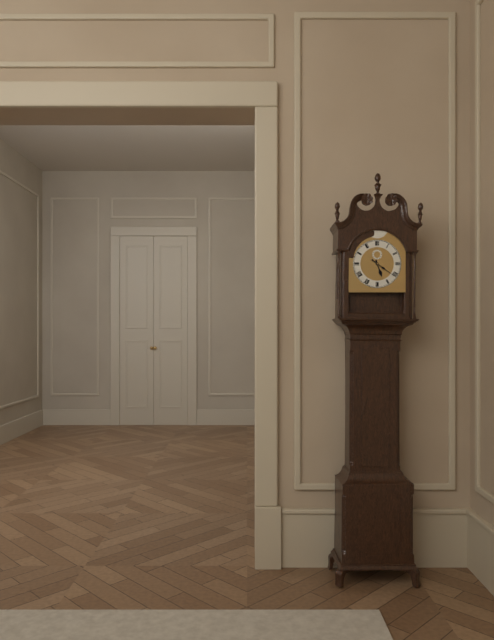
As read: 5:21
